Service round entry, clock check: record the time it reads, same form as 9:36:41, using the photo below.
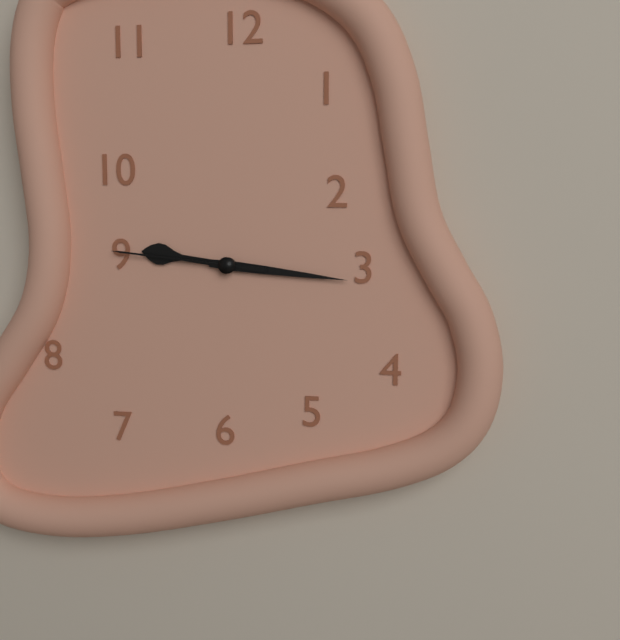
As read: 9:16:46
